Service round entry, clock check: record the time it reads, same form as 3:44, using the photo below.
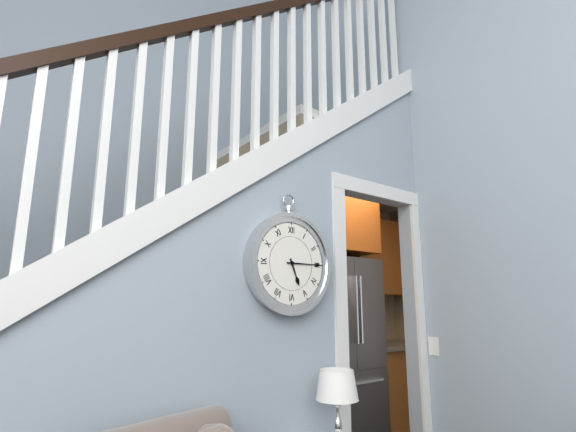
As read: 5:15
